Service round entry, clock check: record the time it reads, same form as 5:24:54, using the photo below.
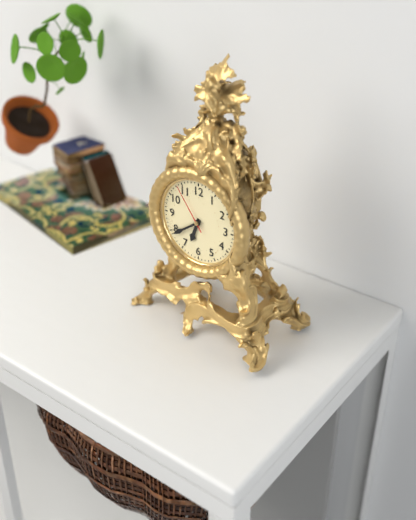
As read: 6:39:54
